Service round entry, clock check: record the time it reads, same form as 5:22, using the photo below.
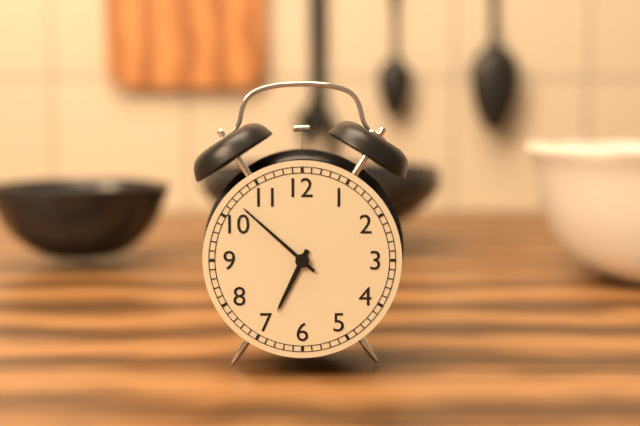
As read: 6:52
